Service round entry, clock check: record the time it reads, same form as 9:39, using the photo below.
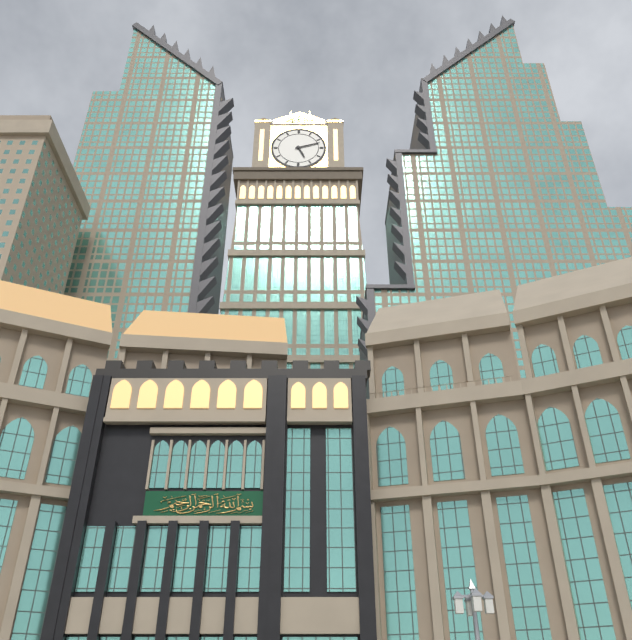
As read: 5:12
